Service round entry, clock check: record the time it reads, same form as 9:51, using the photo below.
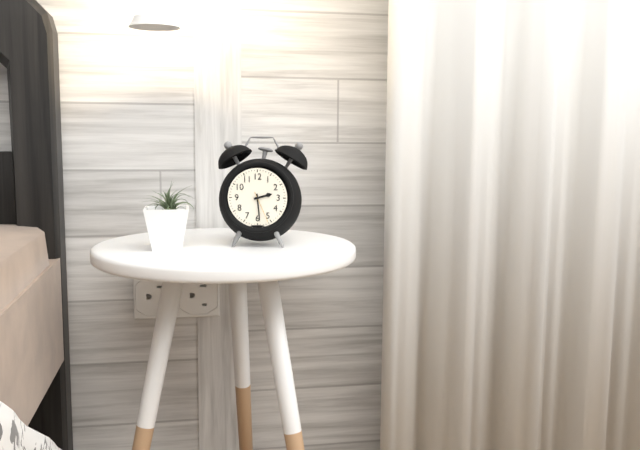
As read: 2:29
